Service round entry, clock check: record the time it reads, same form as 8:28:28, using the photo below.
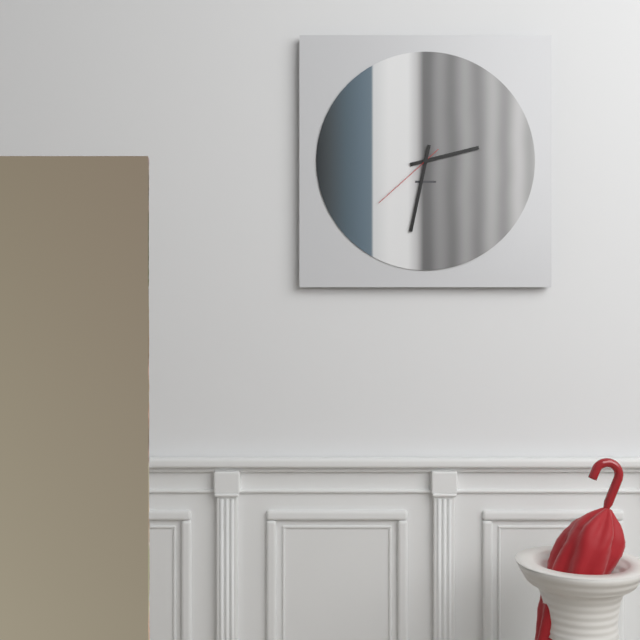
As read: 2:32:38
